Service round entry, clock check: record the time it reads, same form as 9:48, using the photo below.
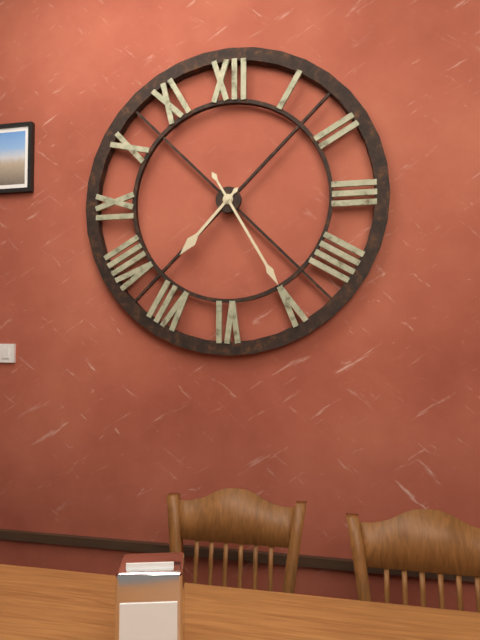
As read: 7:25
